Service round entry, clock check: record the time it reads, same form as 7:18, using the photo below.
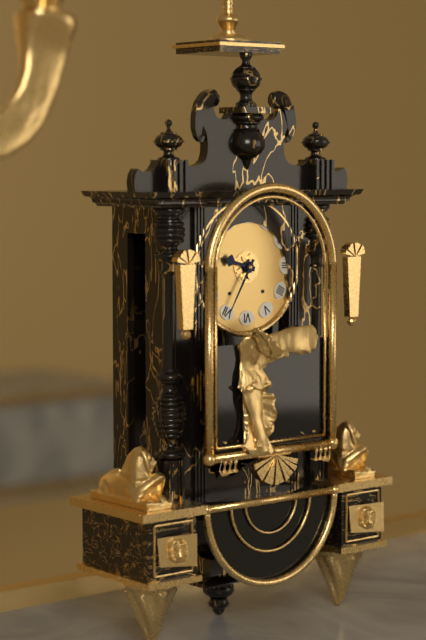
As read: 9:35
